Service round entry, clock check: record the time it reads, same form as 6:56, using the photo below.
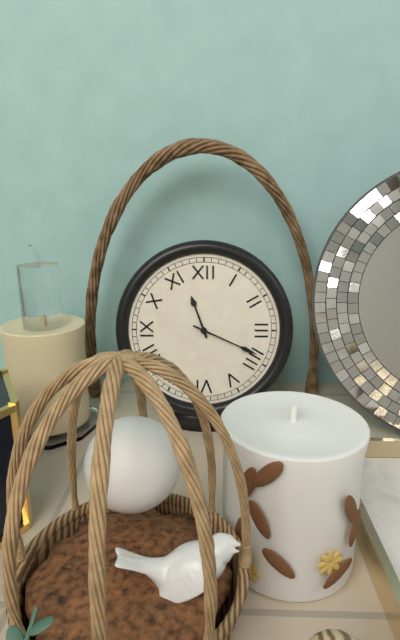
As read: 11:19
